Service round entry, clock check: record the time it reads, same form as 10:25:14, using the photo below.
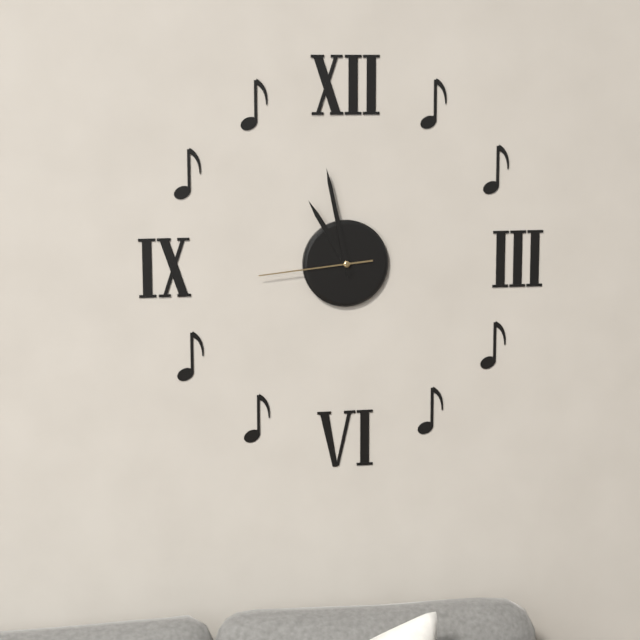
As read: 10:58:44
